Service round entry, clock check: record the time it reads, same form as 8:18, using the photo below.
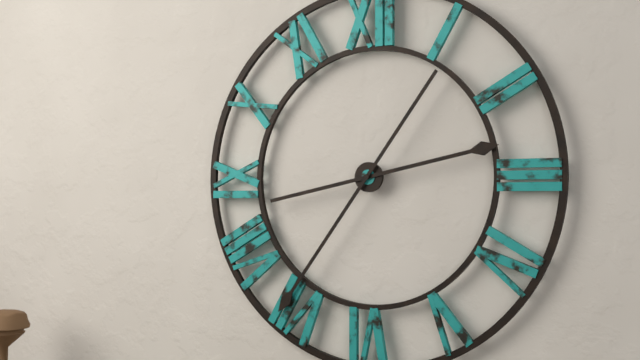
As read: 2:36
